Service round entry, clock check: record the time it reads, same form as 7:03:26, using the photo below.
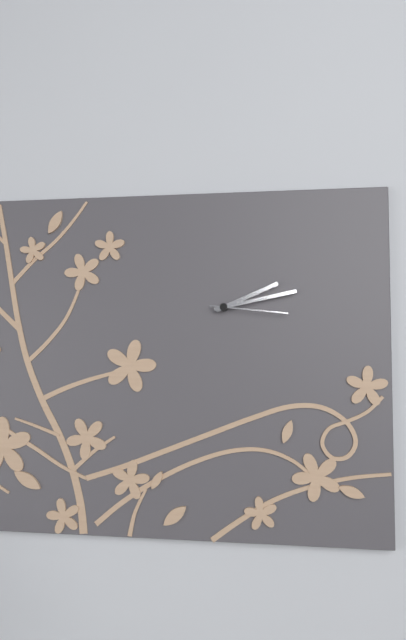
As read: 2:13:16
